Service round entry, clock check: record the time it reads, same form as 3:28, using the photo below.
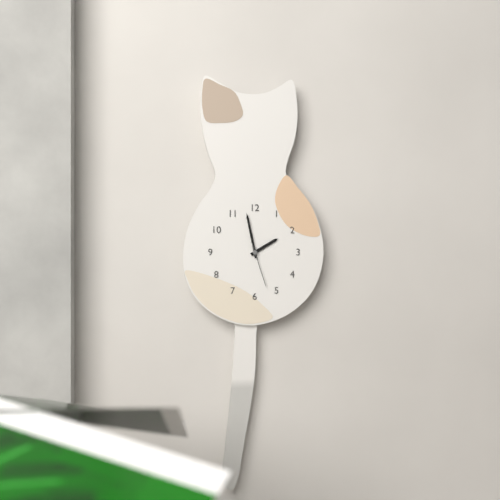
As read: 1:58
